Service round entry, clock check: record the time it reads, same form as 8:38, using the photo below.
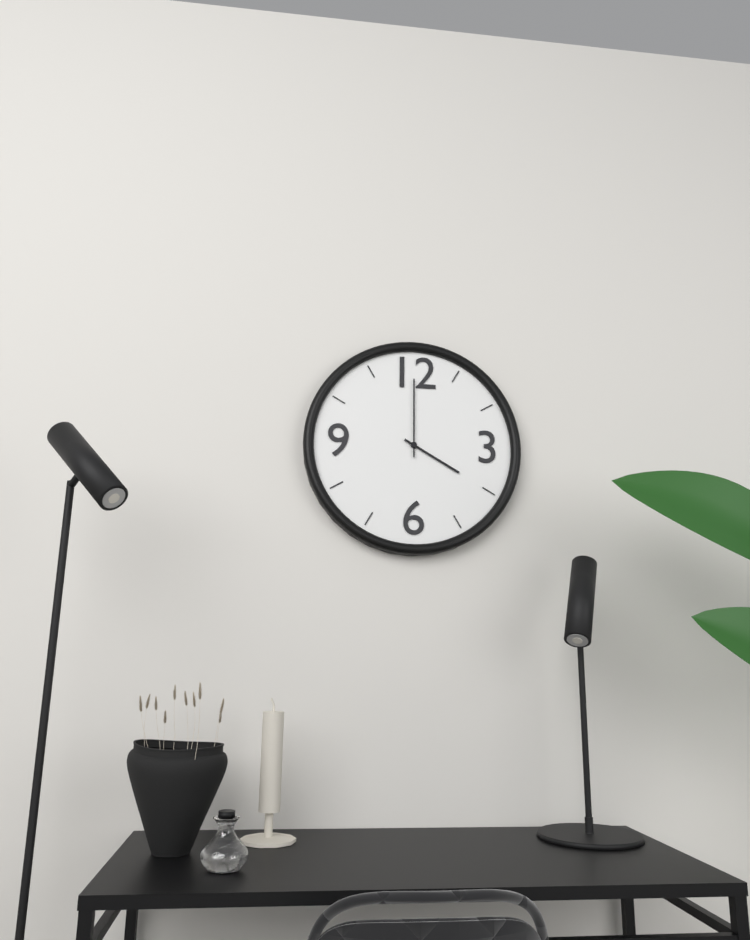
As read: 4:00
